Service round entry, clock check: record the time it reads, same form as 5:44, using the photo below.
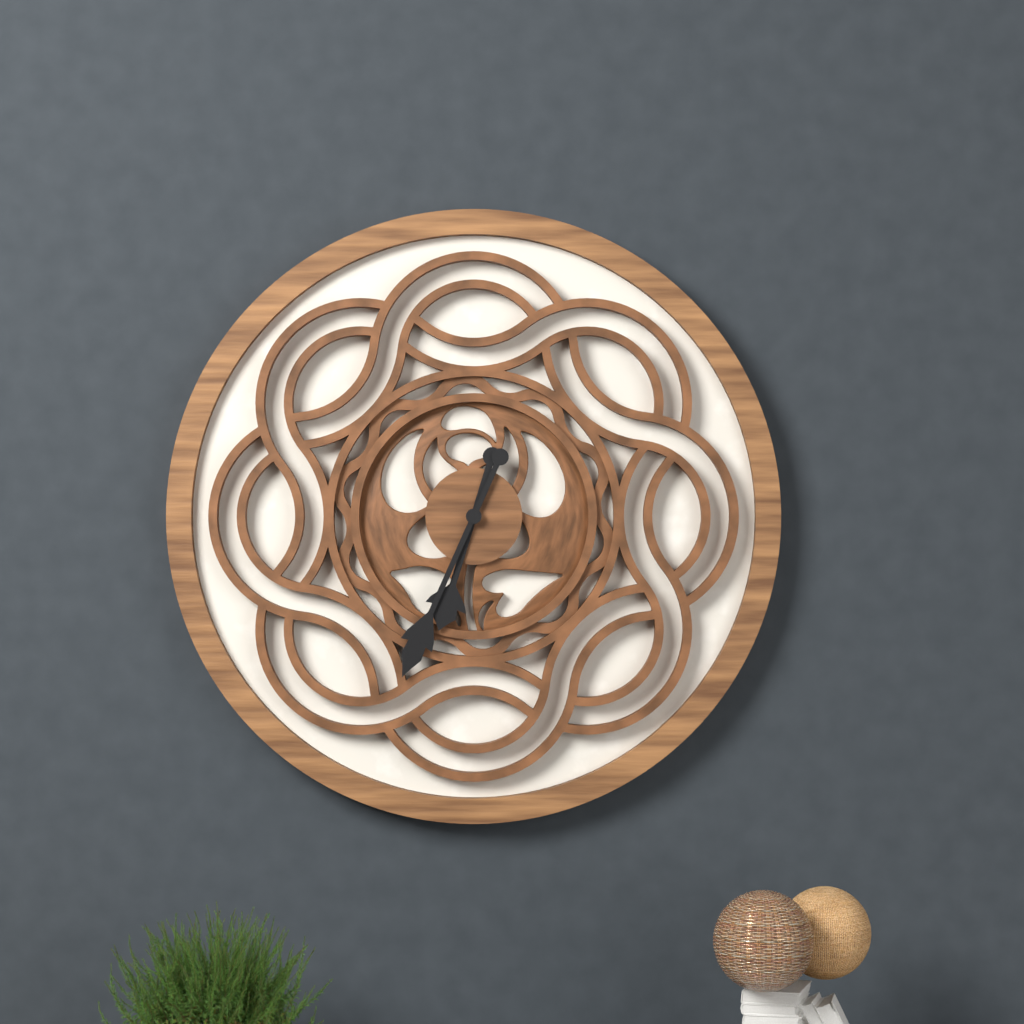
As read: 6:34
